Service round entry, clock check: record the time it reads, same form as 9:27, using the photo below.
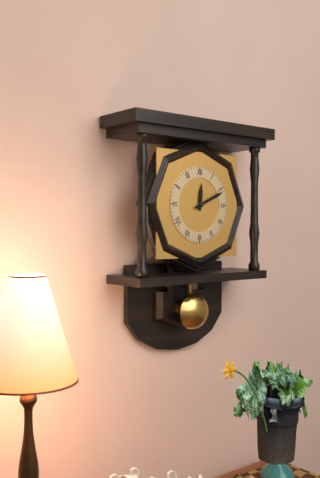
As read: 12:11
